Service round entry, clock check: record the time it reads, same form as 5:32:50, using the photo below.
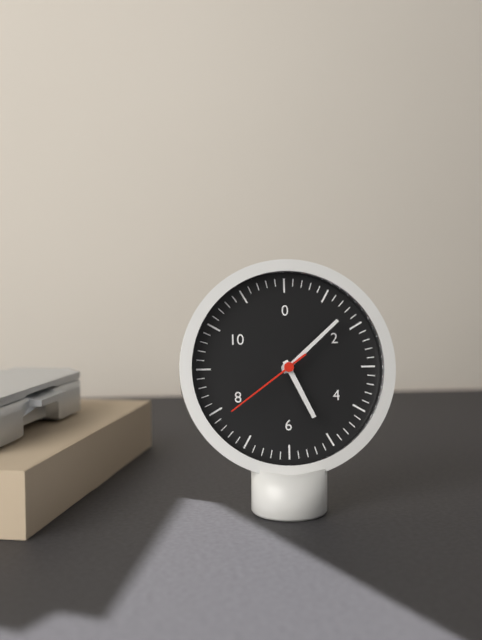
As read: 5:08:39
